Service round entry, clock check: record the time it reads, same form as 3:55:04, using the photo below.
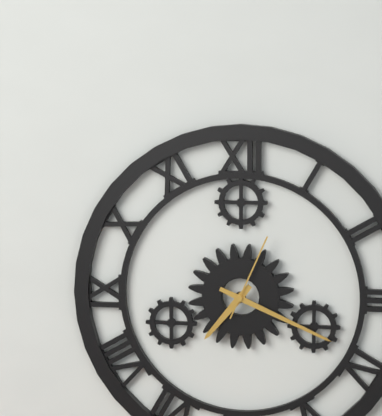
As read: 7:19:04
